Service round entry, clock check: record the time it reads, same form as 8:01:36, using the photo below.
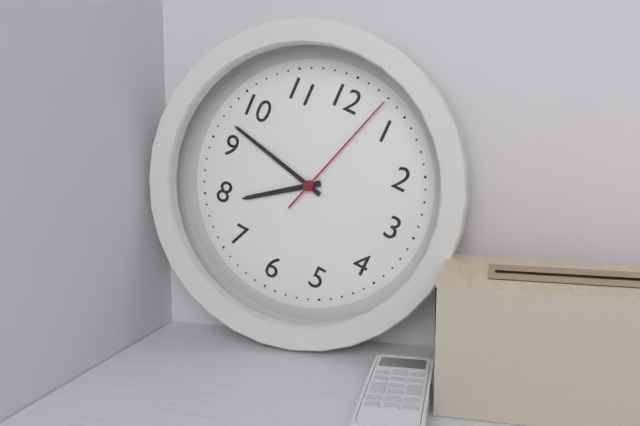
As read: 7:47:03
